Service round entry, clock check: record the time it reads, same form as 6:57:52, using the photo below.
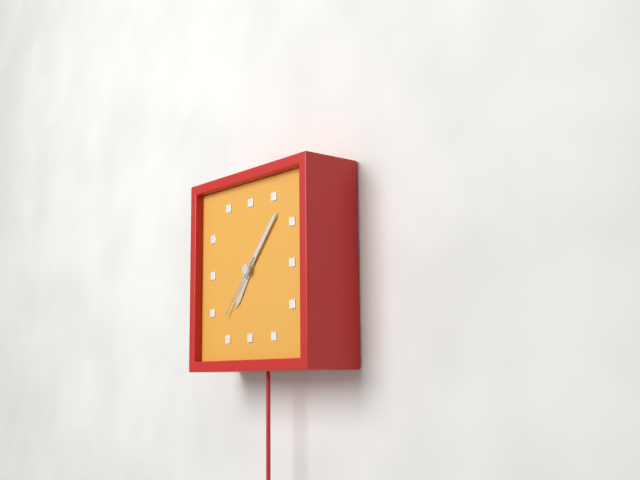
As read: 7:07:37
